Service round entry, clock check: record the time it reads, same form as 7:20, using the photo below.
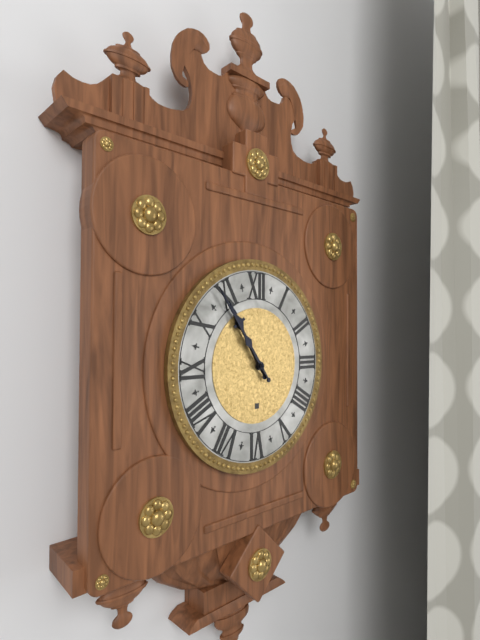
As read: 10:54
